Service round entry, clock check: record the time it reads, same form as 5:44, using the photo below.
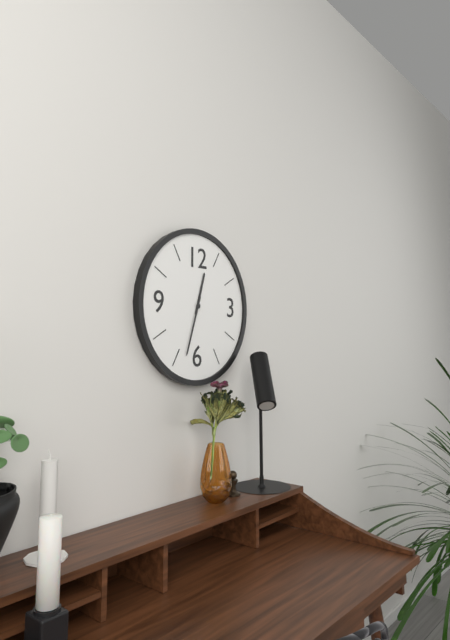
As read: 12:33
